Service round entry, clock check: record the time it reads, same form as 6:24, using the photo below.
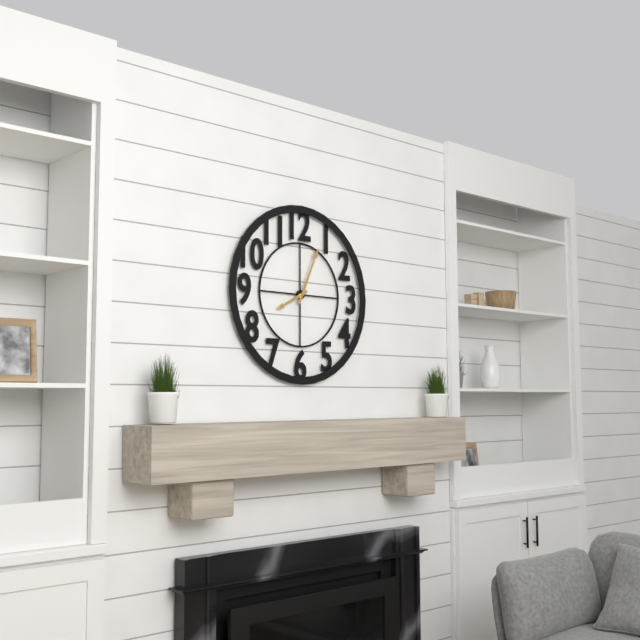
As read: 8:04
